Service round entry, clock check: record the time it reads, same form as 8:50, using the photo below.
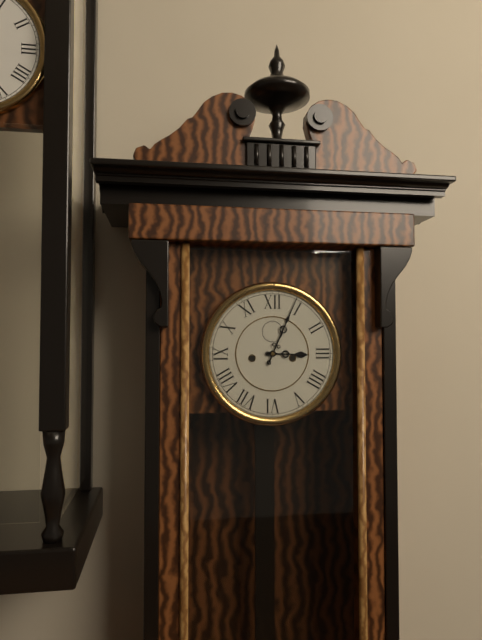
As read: 3:04
